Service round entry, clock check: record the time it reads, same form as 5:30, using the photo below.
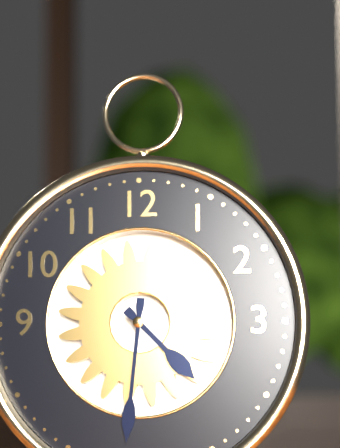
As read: 4:31
